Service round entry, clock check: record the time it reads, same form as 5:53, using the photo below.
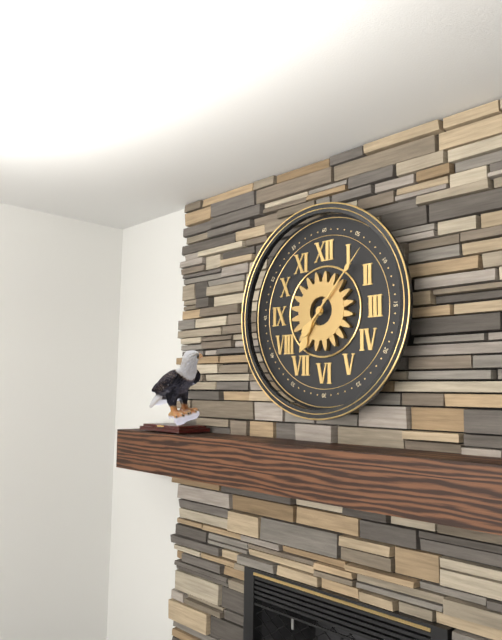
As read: 7:07
